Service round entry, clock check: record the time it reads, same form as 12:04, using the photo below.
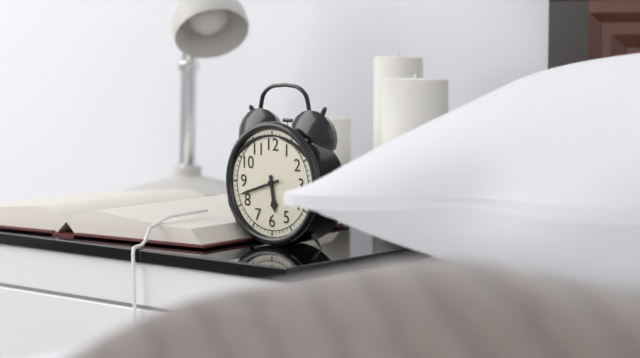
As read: 5:42
